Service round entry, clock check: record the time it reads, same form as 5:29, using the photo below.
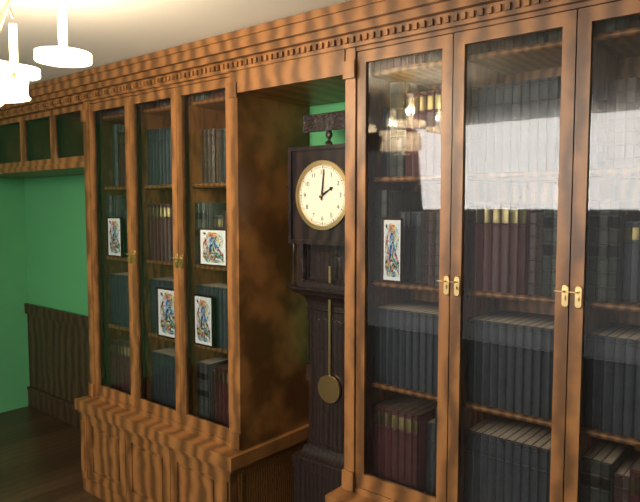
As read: 2:01
